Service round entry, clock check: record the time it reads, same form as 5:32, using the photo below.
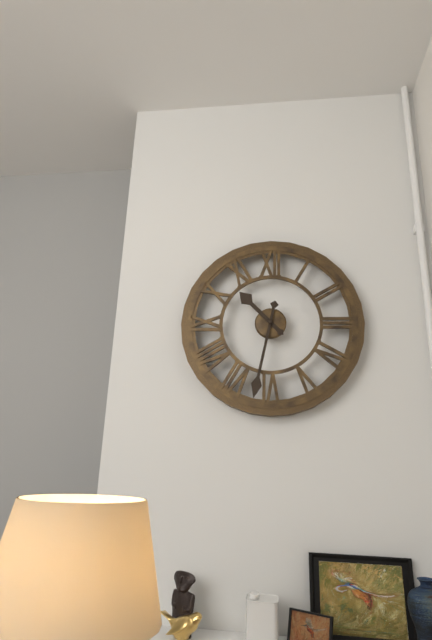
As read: 10:32
